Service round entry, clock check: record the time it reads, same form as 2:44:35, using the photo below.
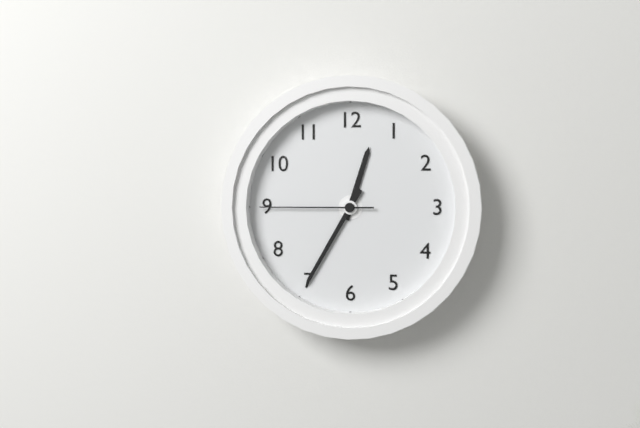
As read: 12:35:45
